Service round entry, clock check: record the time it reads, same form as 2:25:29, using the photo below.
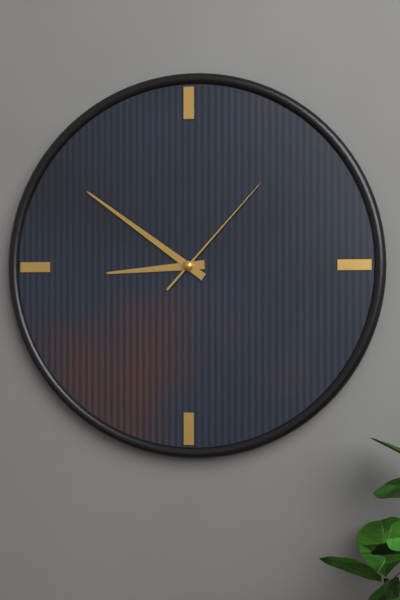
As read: 8:51:07
